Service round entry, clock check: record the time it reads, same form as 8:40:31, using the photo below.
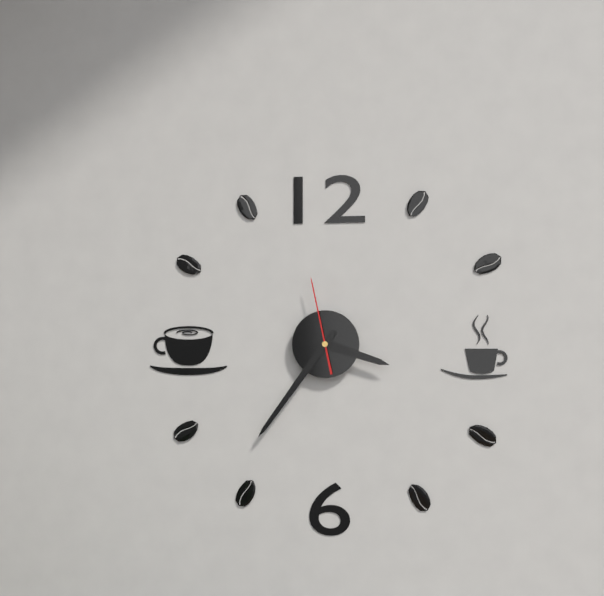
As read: 3:36:58
